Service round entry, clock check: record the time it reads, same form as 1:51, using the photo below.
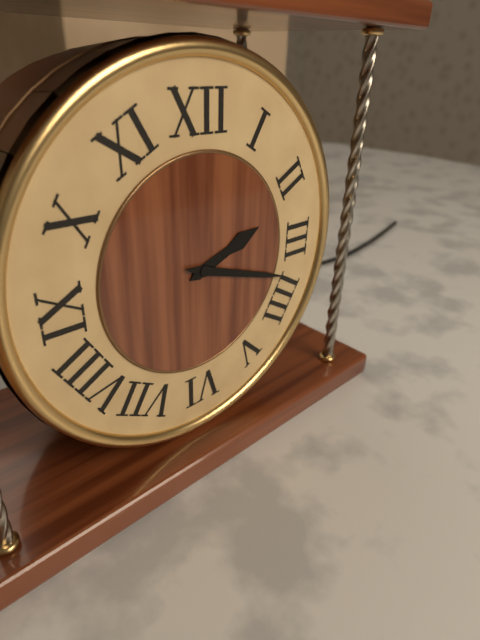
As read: 2:18
